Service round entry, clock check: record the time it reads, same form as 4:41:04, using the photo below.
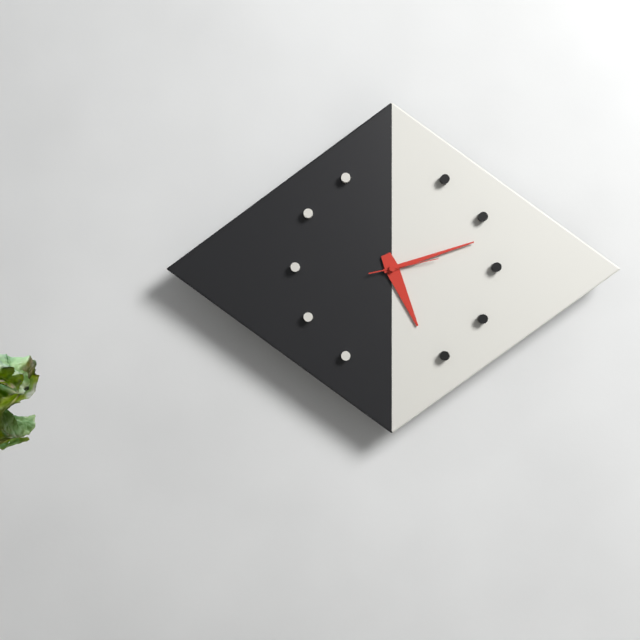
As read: 5:12:13
